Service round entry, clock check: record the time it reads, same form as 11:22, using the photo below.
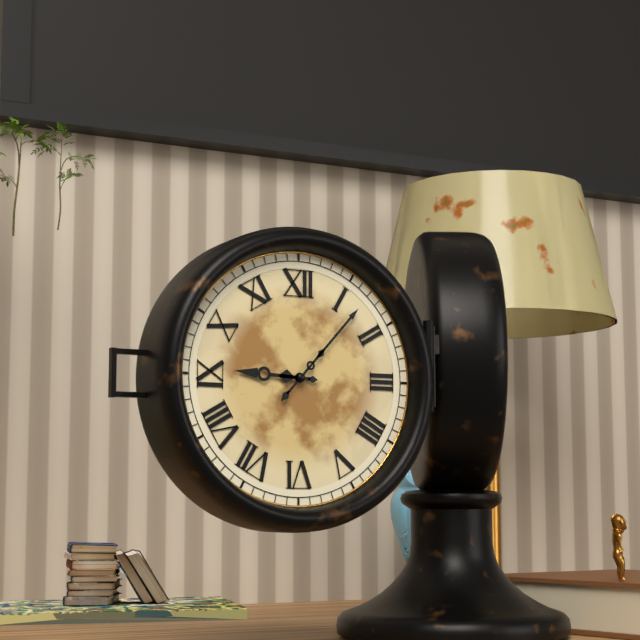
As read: 9:07
